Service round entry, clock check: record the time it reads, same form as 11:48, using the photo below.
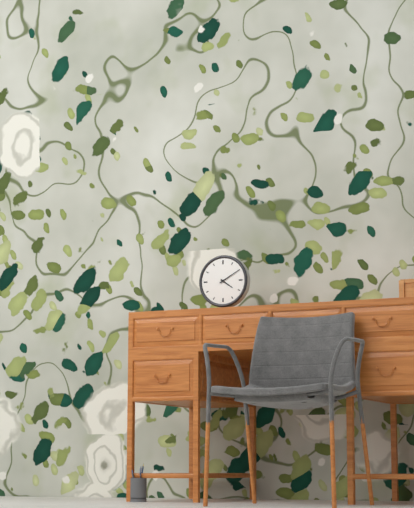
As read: 4:10
